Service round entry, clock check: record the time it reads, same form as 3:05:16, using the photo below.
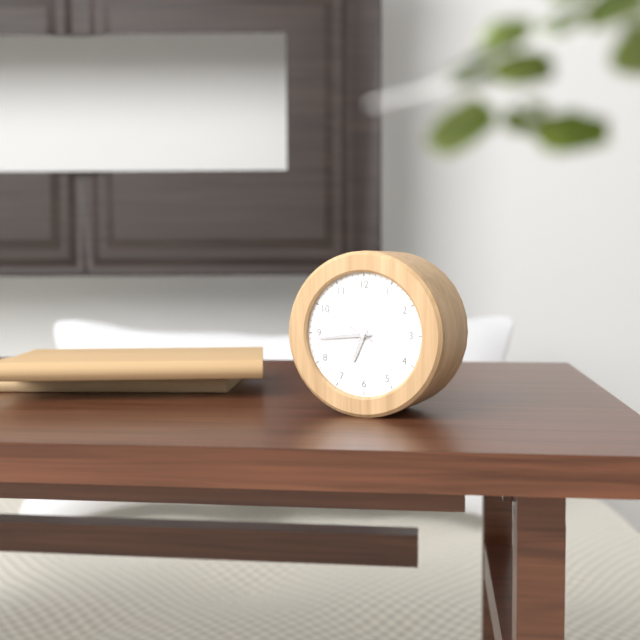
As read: 6:44:50
